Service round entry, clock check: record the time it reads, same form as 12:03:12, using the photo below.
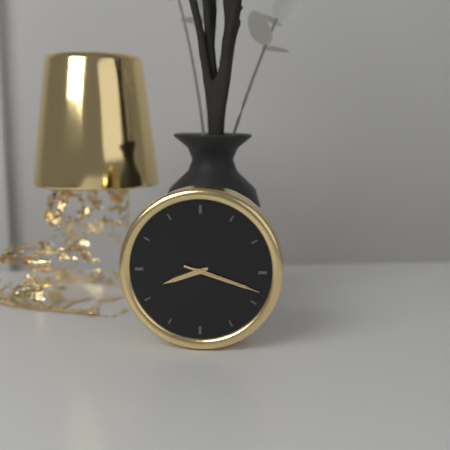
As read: 8:18:18
